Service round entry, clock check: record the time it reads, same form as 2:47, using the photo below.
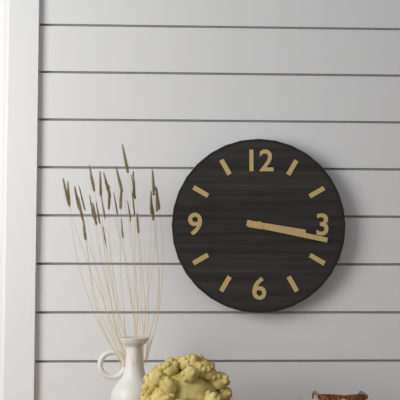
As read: 3:17
